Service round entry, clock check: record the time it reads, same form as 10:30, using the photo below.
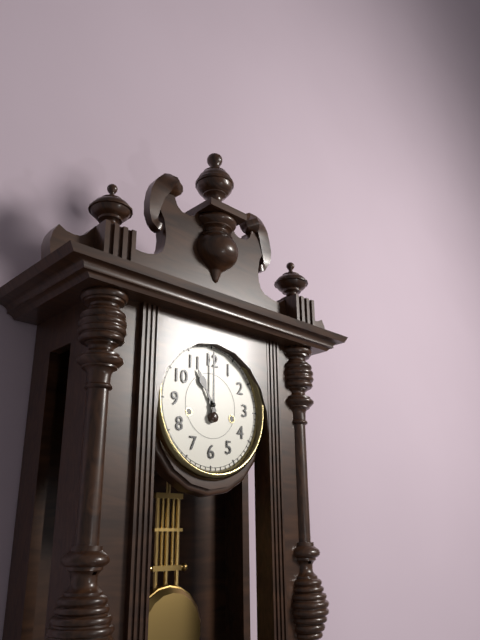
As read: 11:00
